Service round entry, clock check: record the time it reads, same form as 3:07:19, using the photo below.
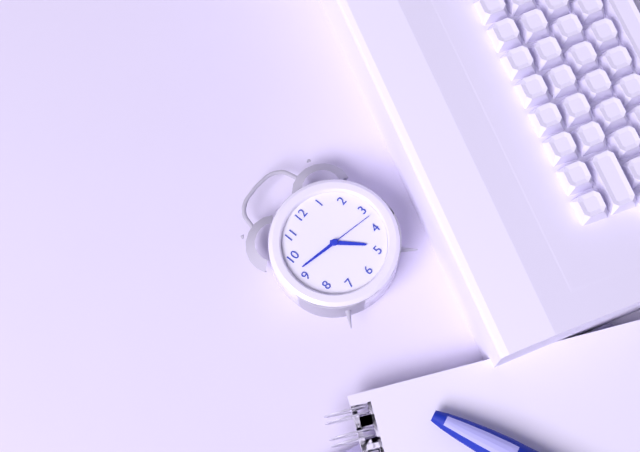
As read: 4:47:17
